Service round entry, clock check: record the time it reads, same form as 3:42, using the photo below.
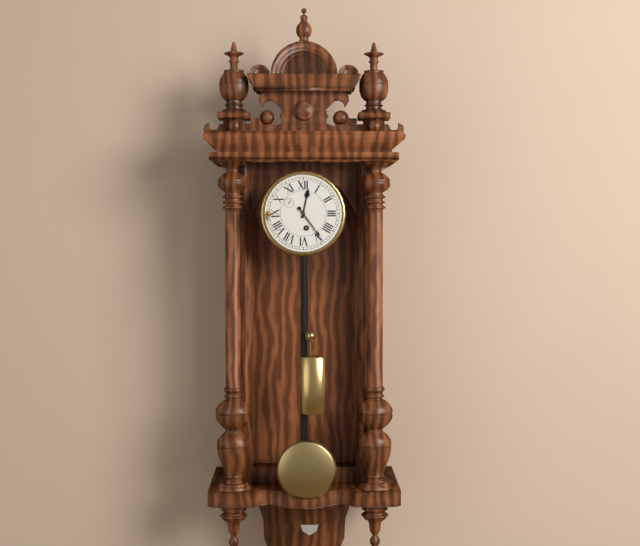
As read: 12:24
